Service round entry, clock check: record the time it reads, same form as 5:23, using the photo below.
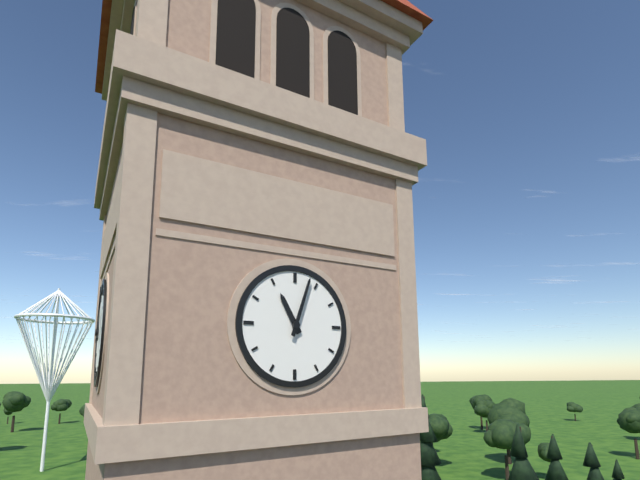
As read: 11:03
